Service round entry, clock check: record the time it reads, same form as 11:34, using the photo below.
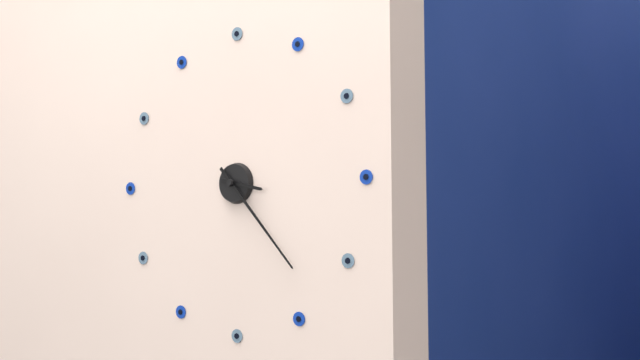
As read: 3:23
